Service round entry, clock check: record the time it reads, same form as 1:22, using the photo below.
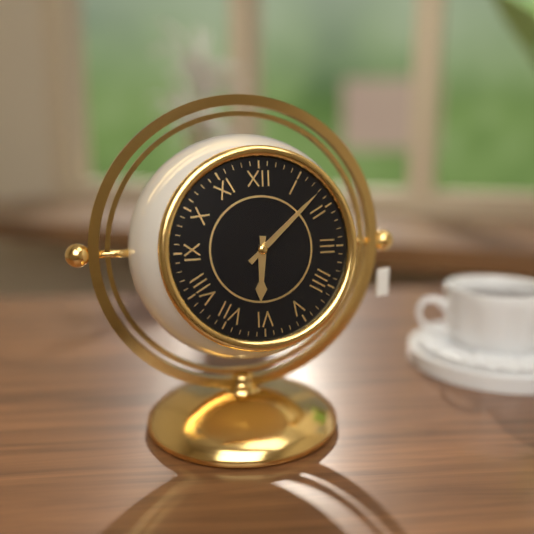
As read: 6:08
